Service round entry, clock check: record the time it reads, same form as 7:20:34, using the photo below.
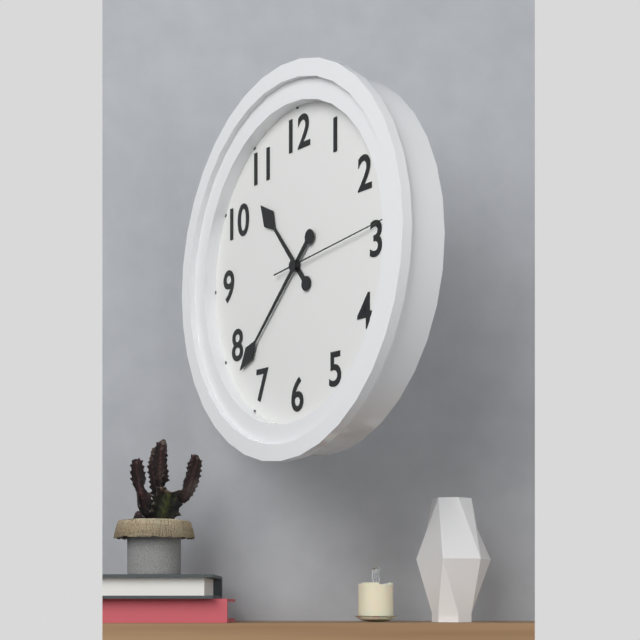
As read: 10:38:14
